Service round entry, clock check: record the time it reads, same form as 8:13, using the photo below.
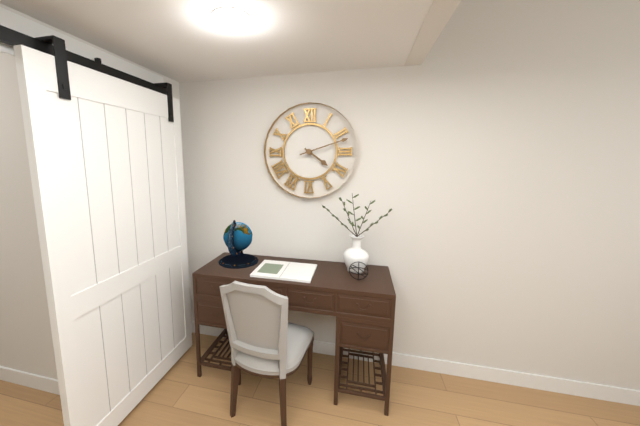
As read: 4:12
